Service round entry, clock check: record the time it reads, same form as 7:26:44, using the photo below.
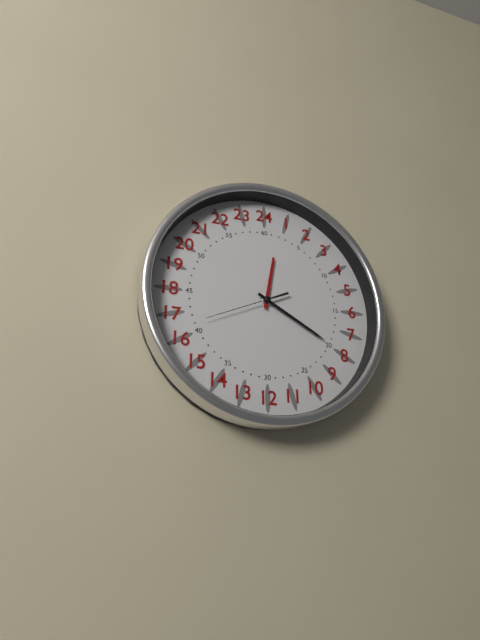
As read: 12:20:41
